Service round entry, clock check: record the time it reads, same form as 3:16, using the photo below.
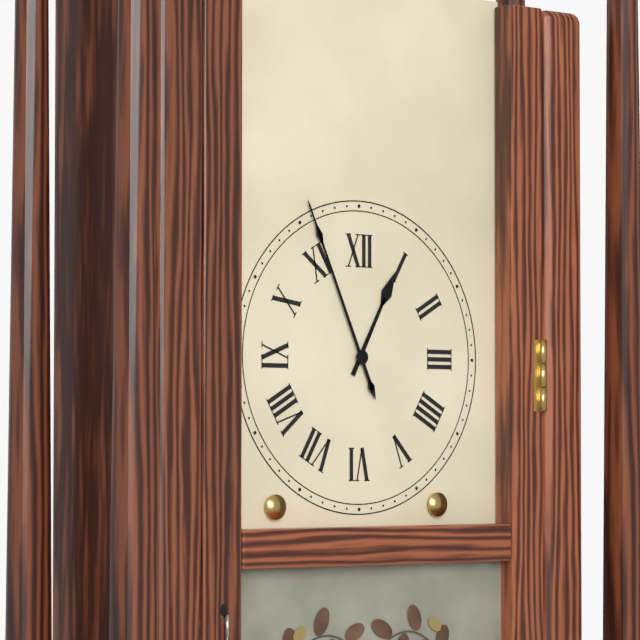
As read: 12:56
